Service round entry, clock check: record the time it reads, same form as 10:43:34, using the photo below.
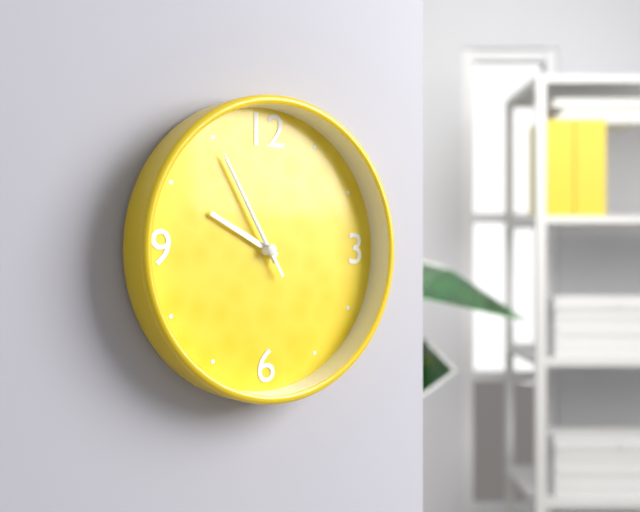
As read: 9:55:55
